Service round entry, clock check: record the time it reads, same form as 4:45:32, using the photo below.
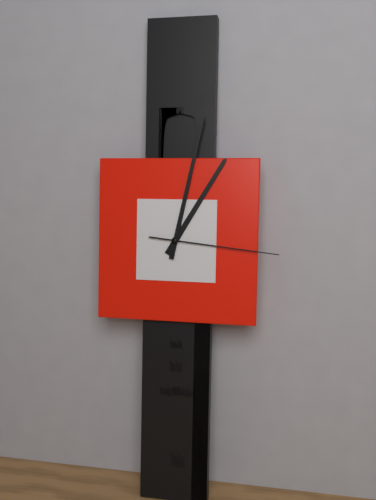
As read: 1:02:16
